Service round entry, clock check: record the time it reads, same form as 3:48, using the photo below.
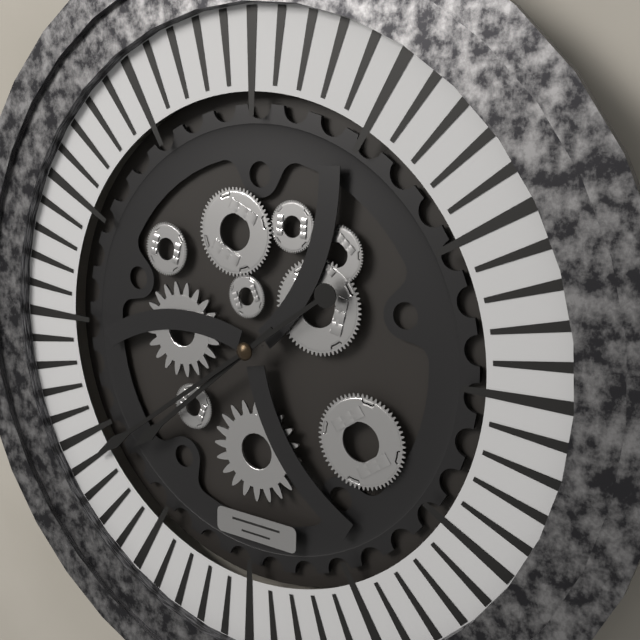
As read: 7:39
